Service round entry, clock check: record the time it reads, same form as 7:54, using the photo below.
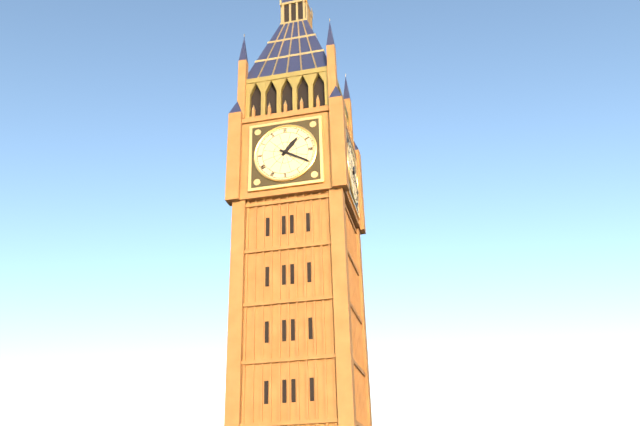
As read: 1:20
